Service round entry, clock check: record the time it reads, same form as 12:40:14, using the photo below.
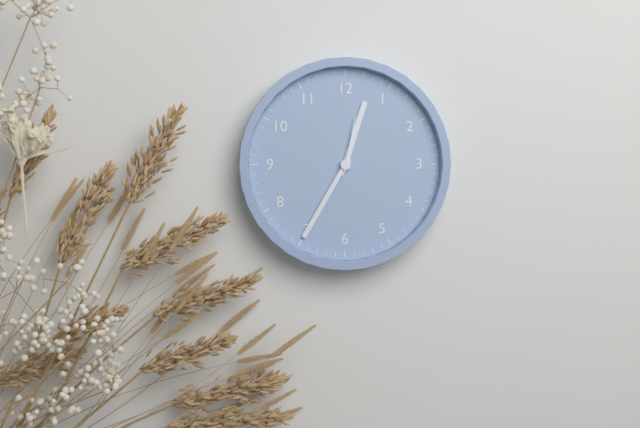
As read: 12:35:02
